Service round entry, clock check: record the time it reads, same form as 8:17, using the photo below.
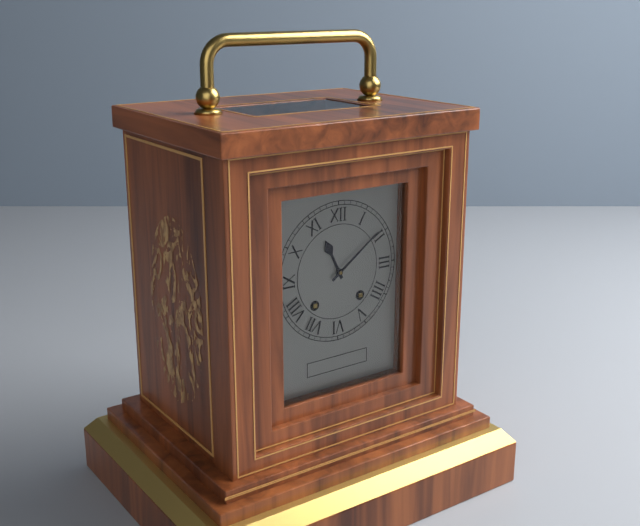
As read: 11:09
